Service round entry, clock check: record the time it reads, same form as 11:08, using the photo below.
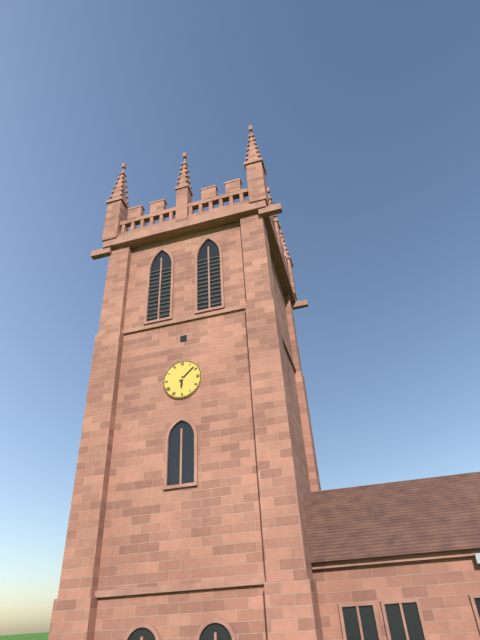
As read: 6:08
